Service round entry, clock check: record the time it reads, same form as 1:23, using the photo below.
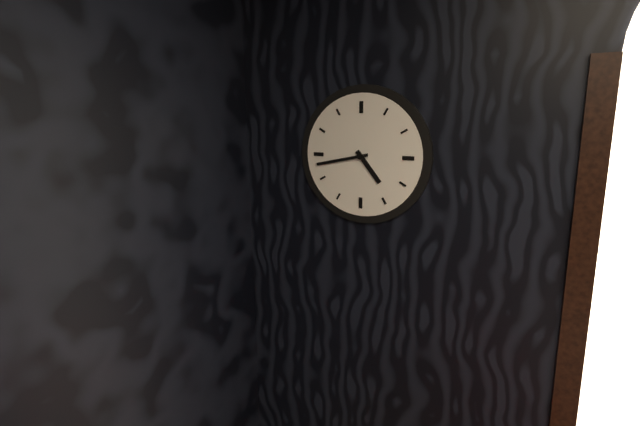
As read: 4:43
